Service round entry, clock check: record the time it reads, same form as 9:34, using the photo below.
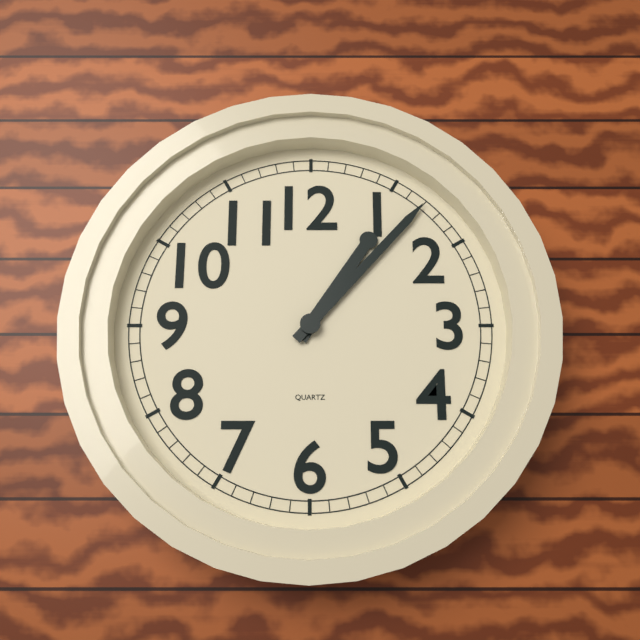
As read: 1:07
